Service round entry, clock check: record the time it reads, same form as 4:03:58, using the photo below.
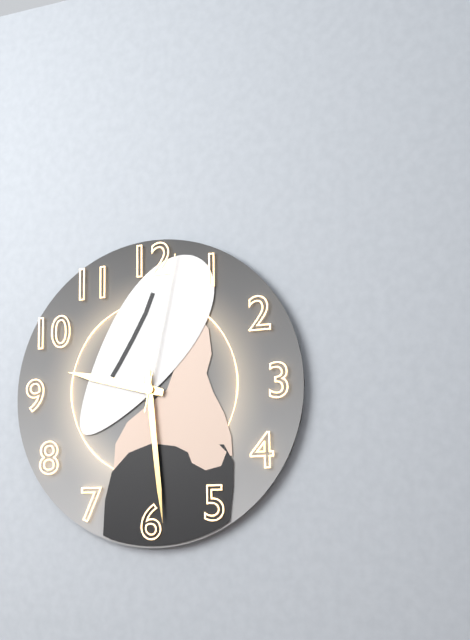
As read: 9:29:02
